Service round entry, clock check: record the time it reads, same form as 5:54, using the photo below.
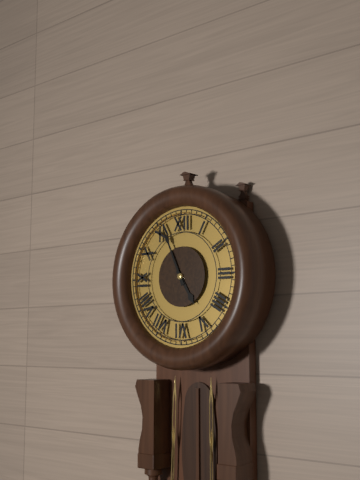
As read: 4:56
